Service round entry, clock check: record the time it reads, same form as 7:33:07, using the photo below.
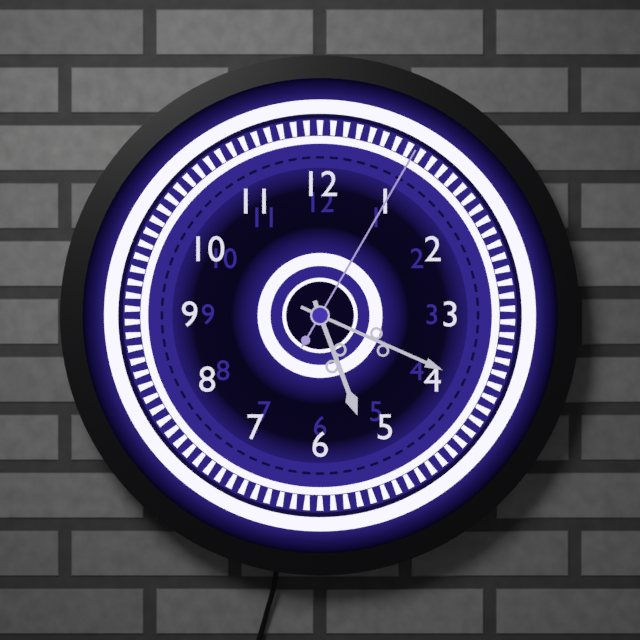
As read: 5:19:05
